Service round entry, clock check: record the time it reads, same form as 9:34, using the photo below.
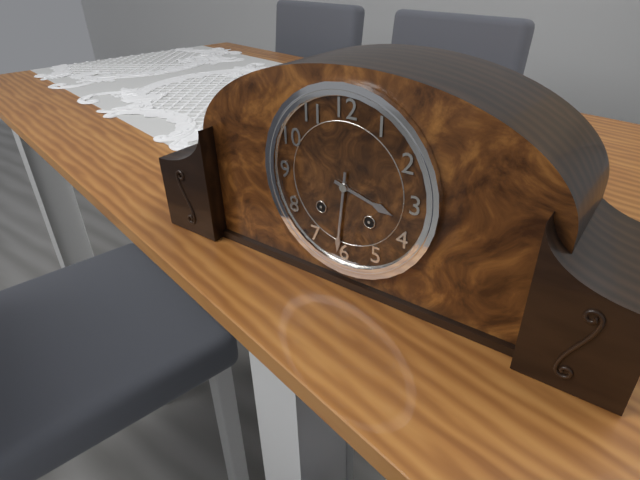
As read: 3:31
